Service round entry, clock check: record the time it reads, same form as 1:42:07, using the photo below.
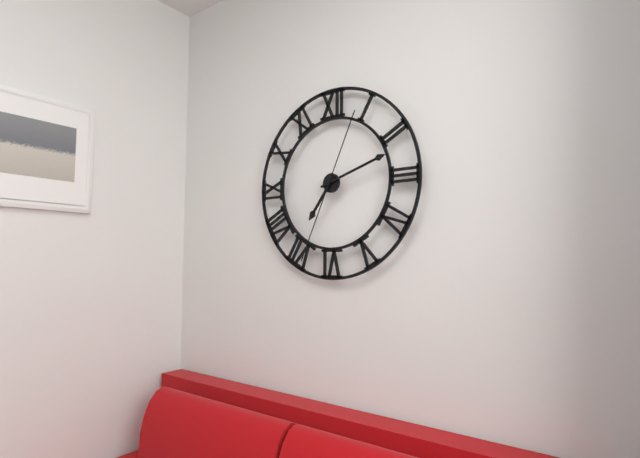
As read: 7:12:34
